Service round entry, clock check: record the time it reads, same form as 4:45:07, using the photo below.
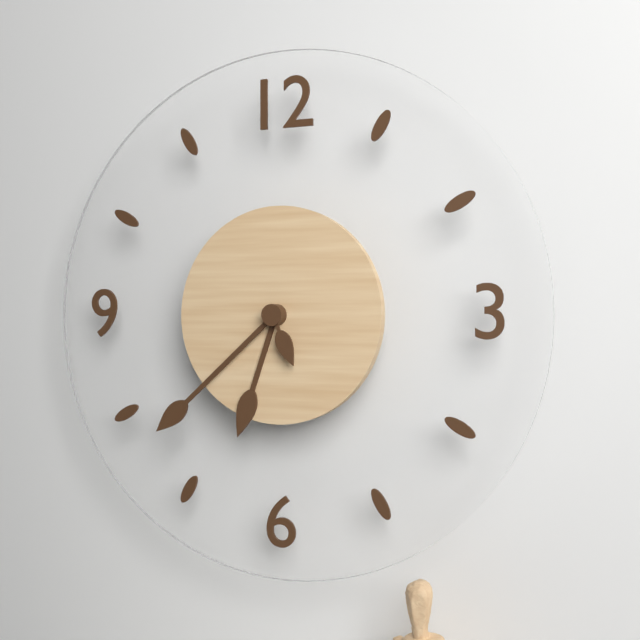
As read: 6:38:26
